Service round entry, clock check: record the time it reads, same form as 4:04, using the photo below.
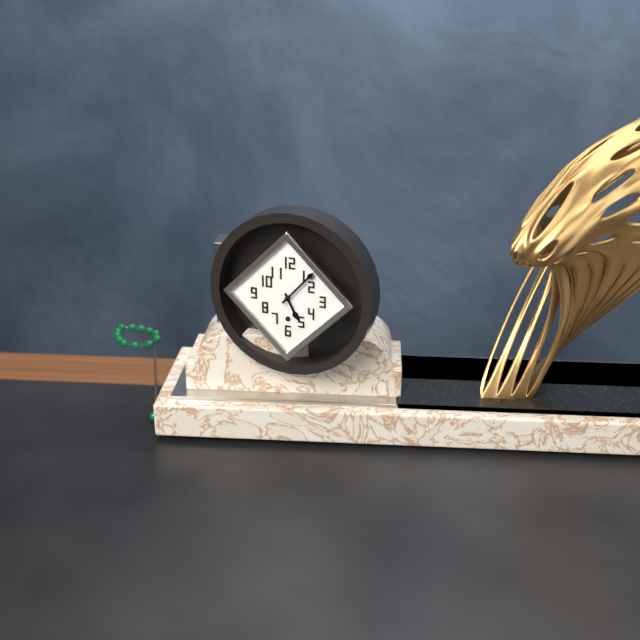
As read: 5:07
